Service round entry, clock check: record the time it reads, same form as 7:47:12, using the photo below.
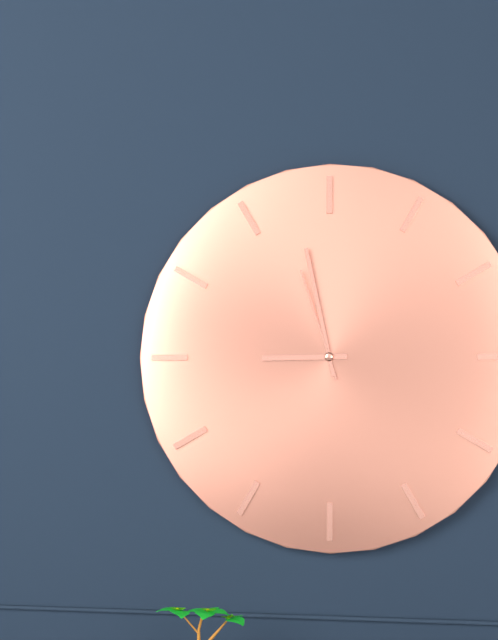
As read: 8:58:57
